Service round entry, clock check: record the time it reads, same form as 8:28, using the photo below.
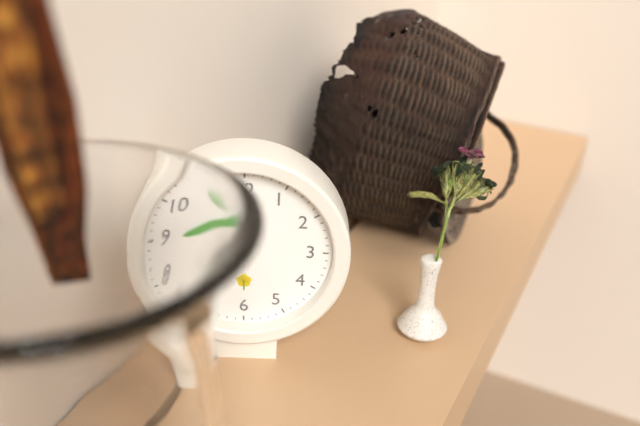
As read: 8:55
